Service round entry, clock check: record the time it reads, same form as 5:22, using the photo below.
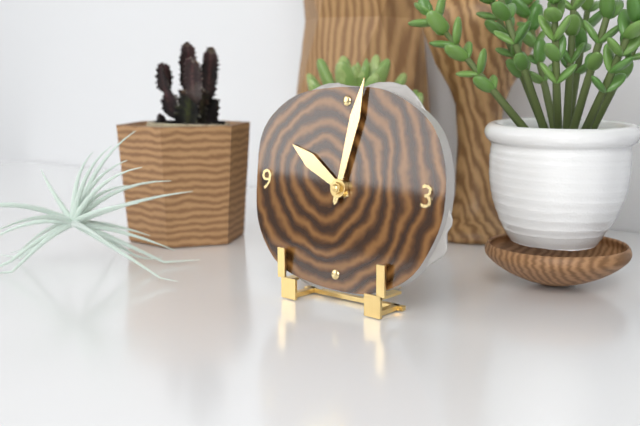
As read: 10:02
